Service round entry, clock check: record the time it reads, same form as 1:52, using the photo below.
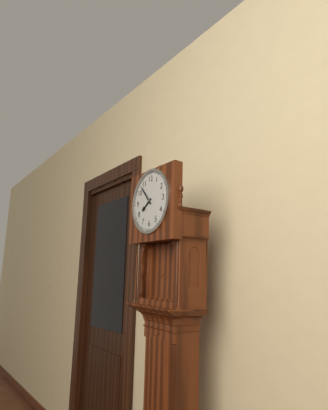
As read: 7:53
